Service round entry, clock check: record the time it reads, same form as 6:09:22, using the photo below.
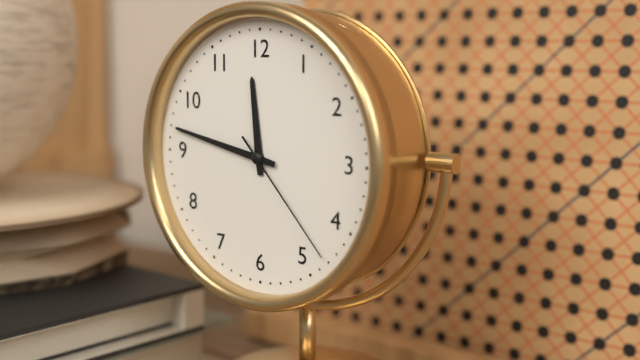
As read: 11:47:23
